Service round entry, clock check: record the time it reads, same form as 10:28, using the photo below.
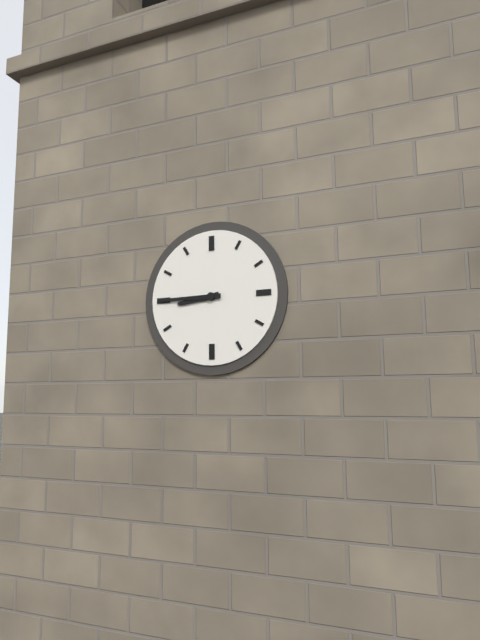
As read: 8:45
